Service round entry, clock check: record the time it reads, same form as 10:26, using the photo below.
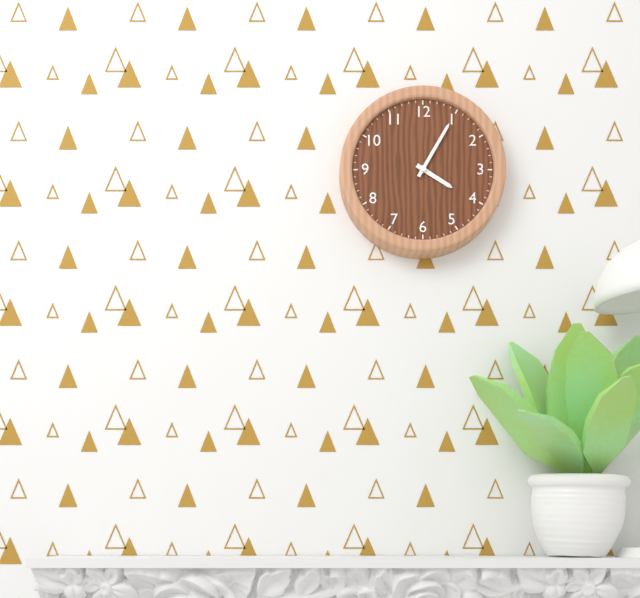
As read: 4:05
